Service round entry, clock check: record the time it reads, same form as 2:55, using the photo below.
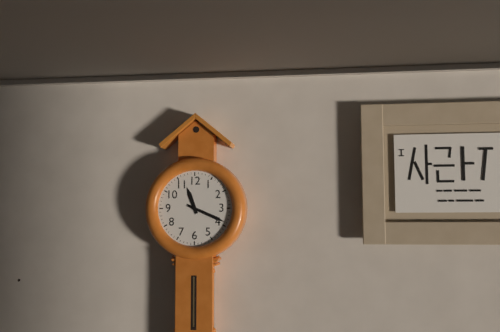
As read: 11:19
